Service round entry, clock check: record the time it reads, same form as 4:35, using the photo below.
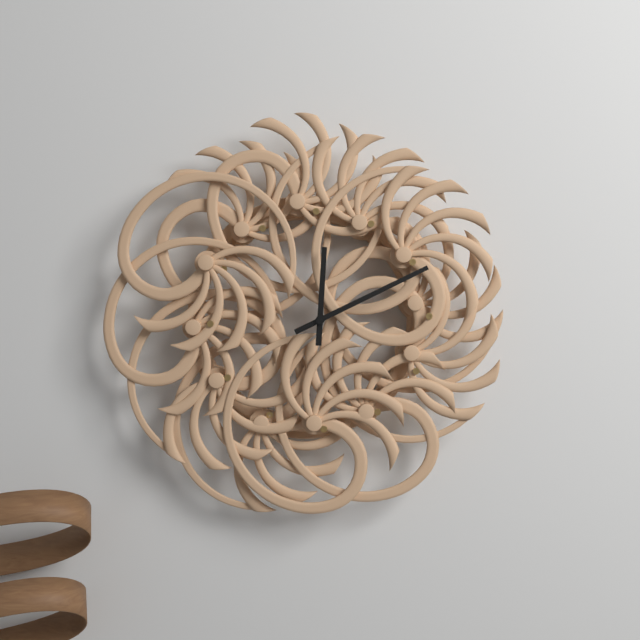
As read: 12:11
